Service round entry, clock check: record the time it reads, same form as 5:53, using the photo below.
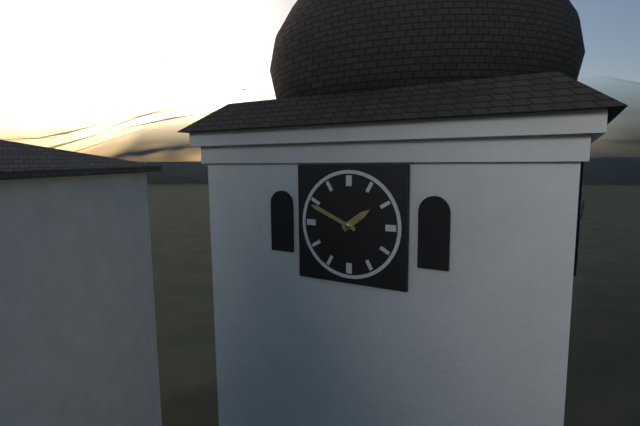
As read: 1:49
